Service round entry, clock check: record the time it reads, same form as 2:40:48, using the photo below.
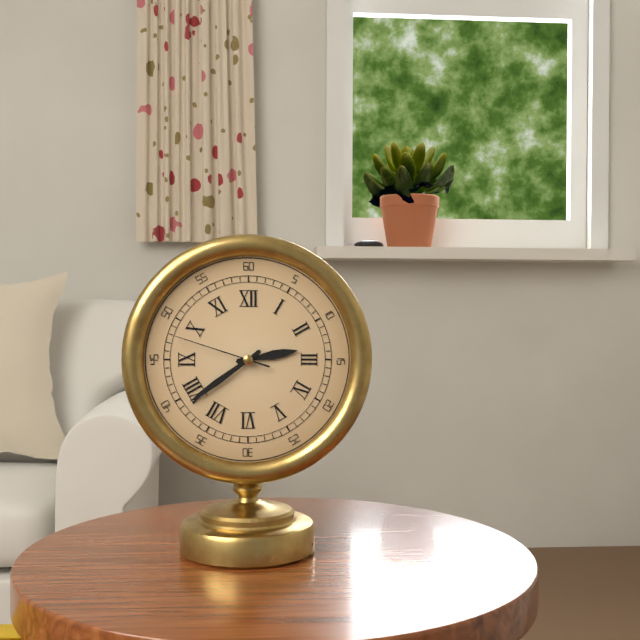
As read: 2:39:48
